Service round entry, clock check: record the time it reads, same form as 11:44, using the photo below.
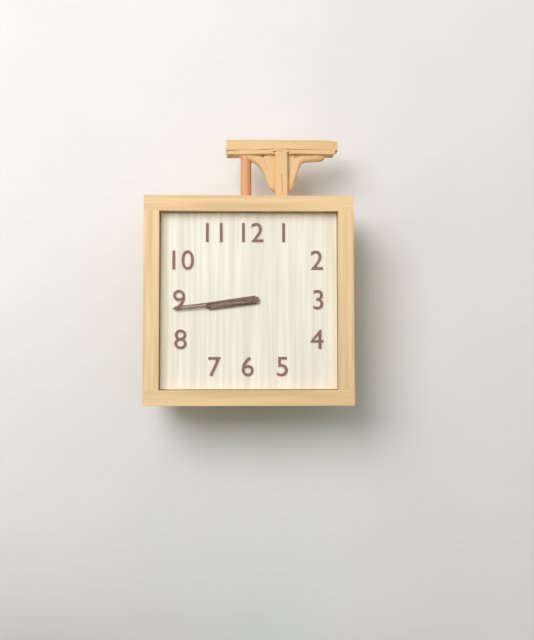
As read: 8:44
